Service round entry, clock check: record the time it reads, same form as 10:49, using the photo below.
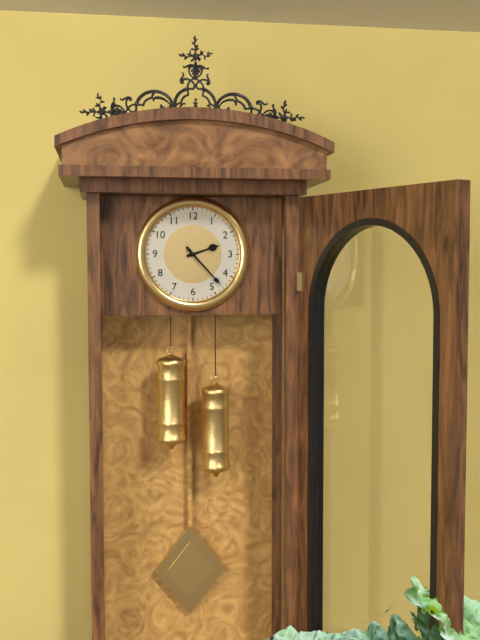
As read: 2:23
